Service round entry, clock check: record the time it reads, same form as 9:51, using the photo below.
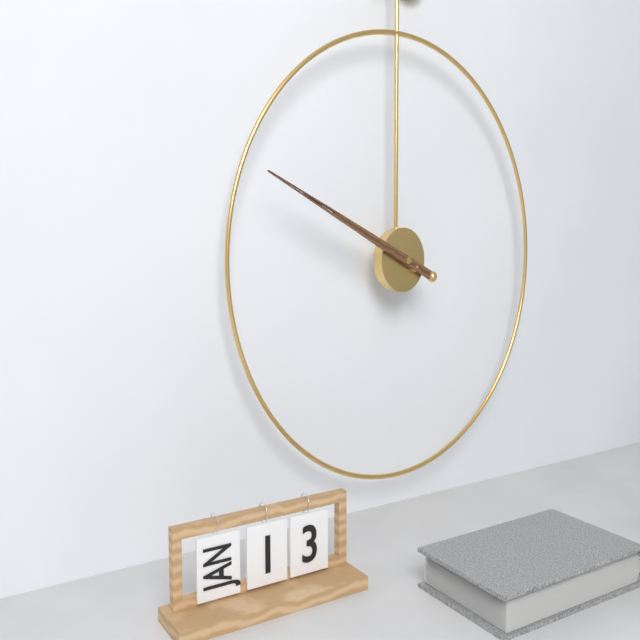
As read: 9:49
